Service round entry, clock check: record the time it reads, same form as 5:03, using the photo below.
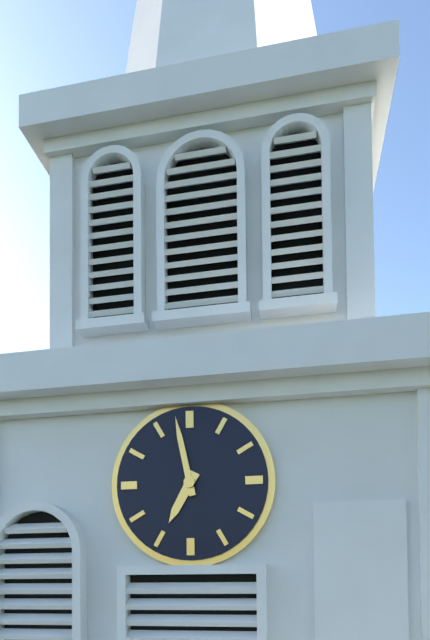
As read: 6:58
